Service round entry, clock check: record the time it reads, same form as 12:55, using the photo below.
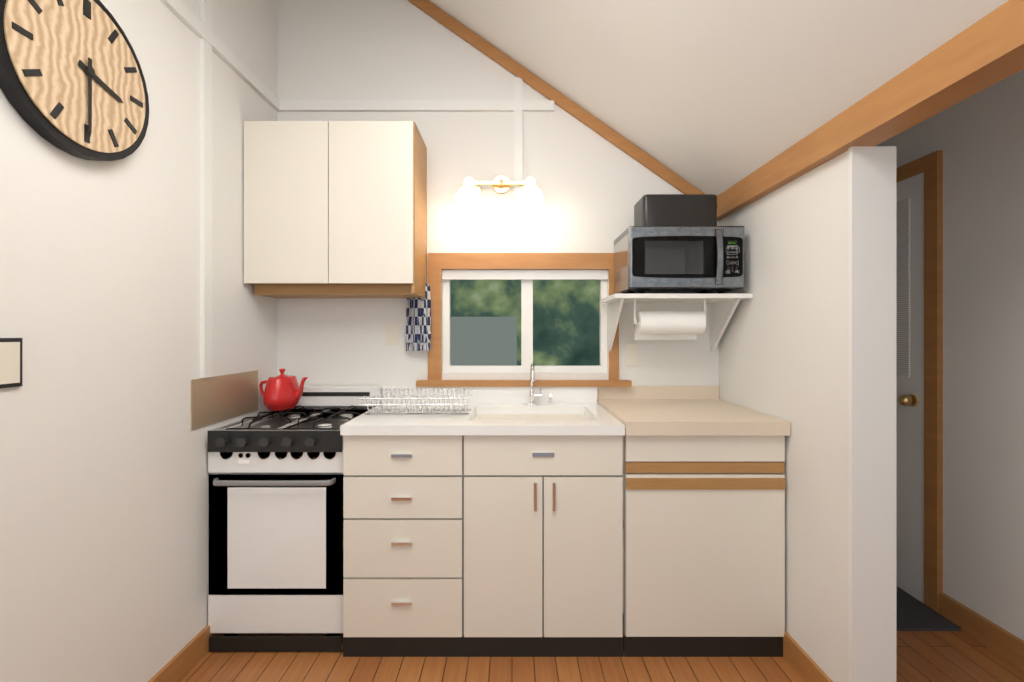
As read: 3:30
